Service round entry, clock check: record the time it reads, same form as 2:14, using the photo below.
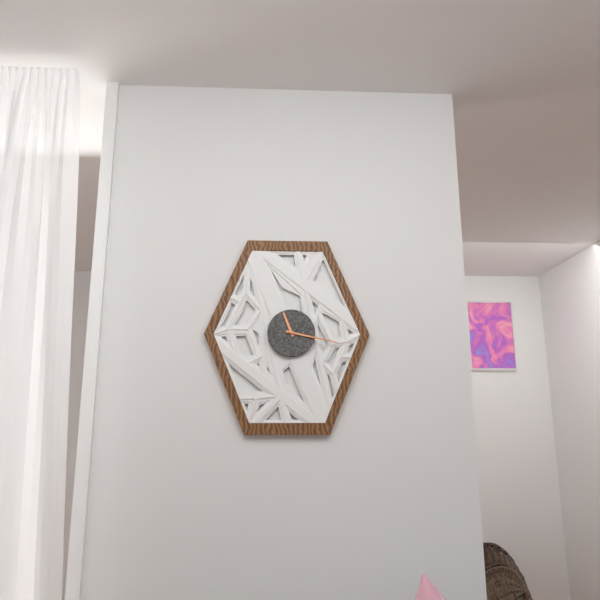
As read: 11:17
